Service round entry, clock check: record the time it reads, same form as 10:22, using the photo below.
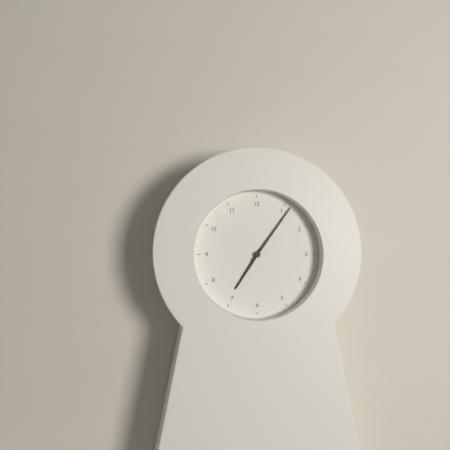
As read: 7:06
